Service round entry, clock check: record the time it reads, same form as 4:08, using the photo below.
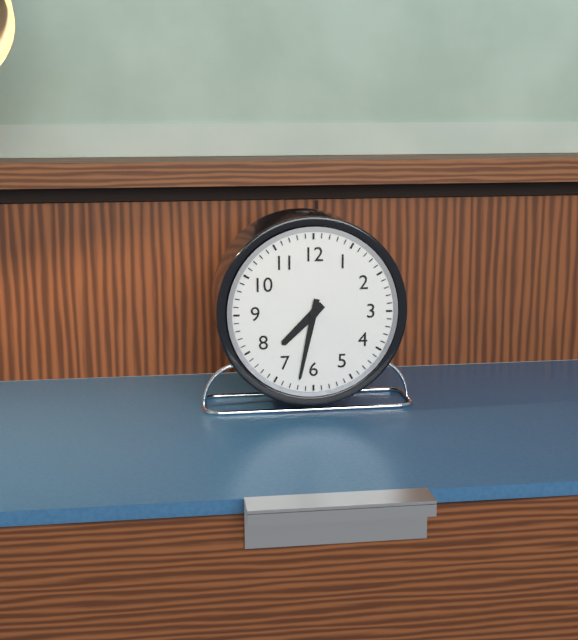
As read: 7:32
